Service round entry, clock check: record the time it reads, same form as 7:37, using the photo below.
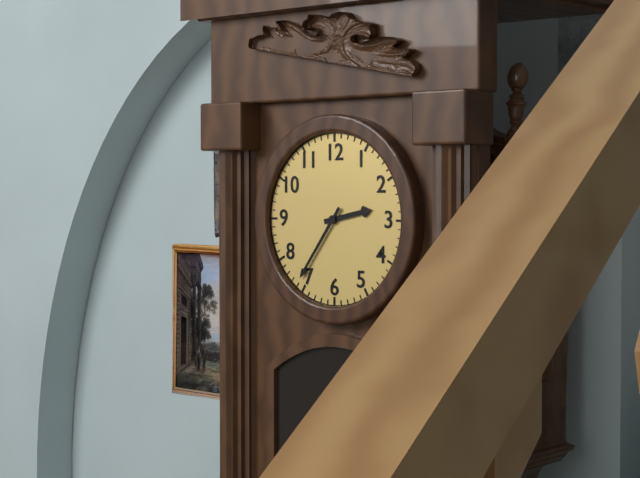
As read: 2:36
